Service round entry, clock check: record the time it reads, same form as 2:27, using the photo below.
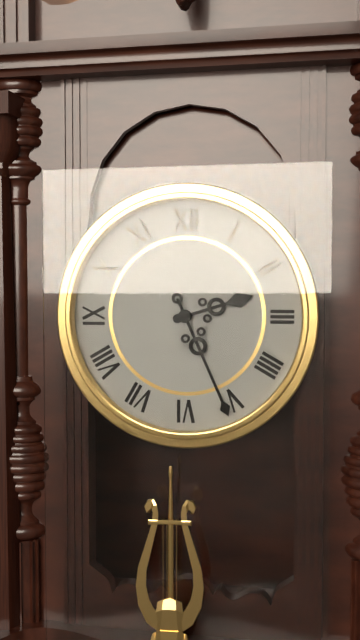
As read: 2:26
